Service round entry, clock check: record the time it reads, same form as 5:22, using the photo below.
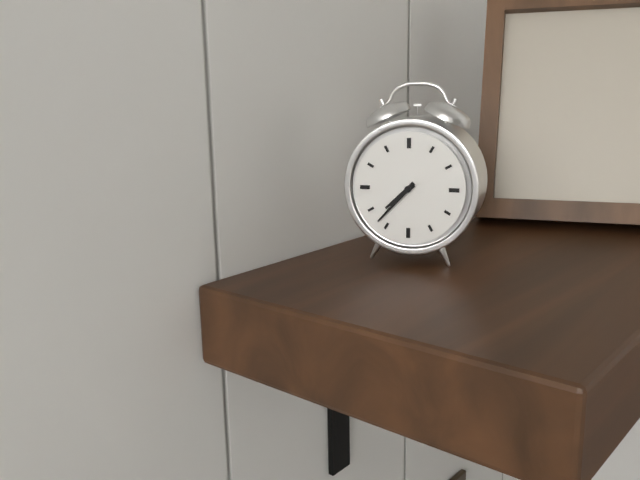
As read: 7:37
